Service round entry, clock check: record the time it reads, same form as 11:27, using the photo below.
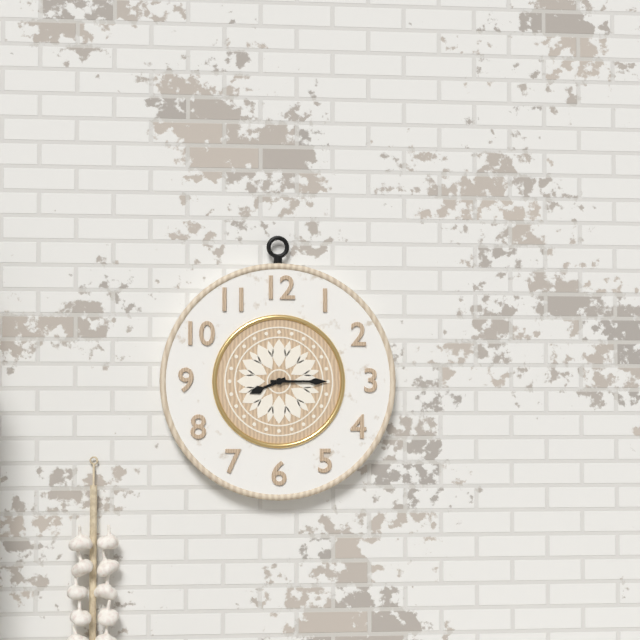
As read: 8:15
